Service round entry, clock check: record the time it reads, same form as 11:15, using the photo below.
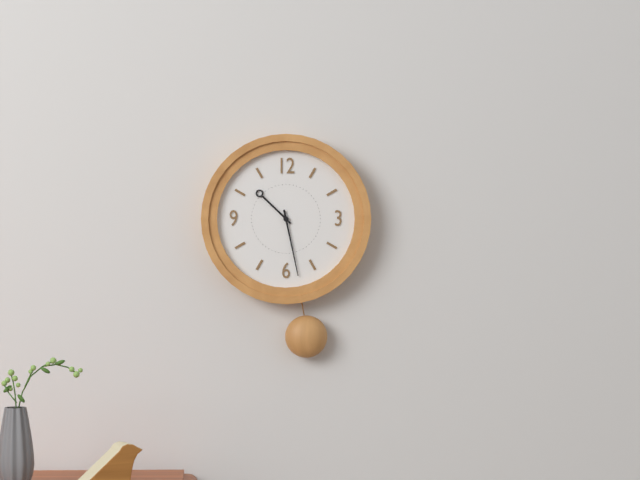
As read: 10:28
